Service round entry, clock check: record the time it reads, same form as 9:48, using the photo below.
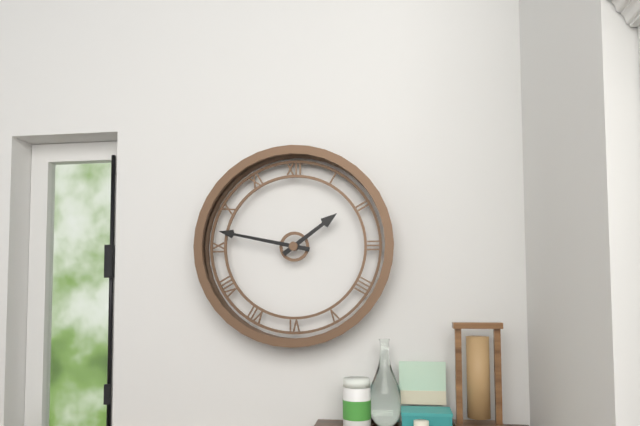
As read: 1:47
